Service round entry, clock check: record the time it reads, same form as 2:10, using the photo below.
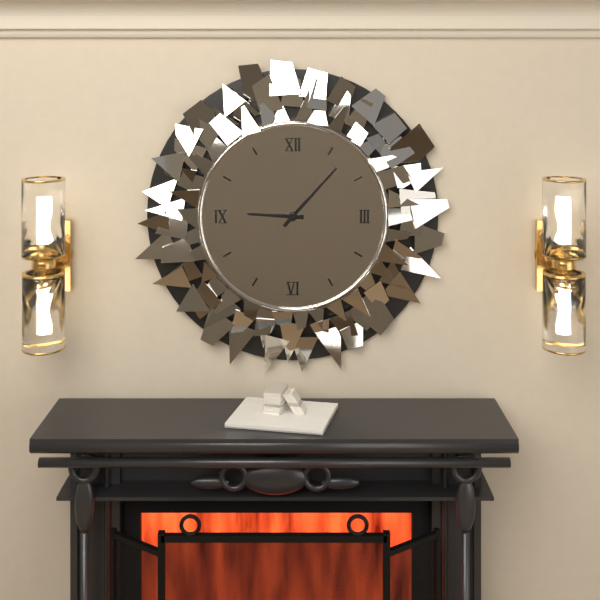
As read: 9:07
